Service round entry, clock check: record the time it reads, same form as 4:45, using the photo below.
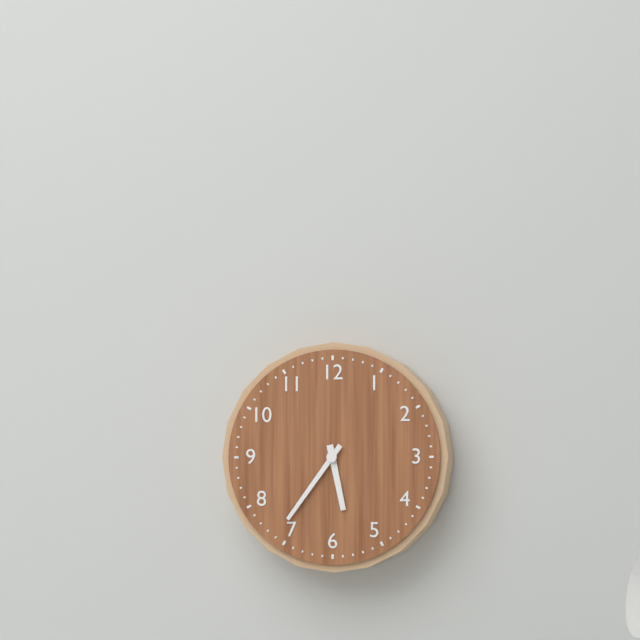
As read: 5:36
